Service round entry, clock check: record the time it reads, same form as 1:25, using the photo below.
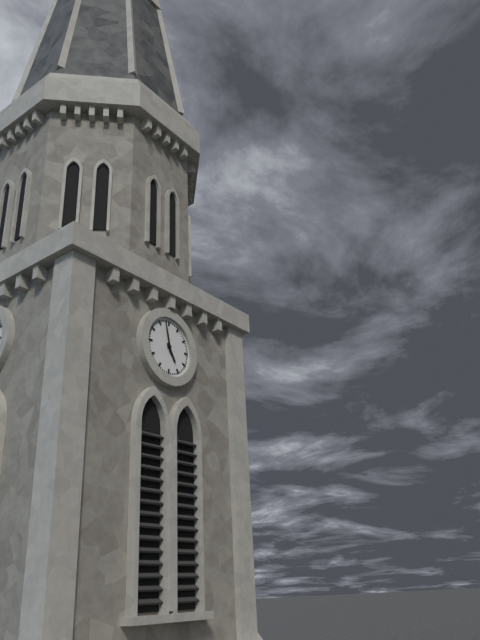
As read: 4:58
